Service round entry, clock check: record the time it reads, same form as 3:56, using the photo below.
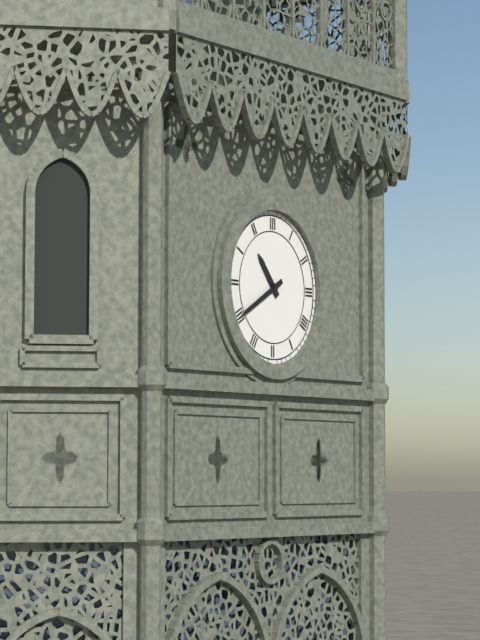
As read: 10:40
